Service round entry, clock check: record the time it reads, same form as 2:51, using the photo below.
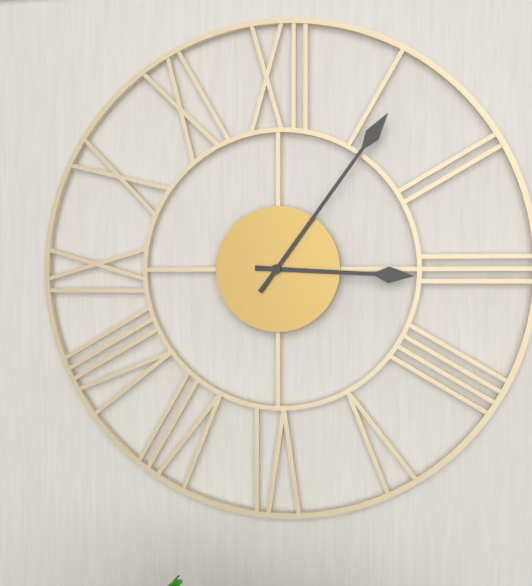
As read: 3:06
